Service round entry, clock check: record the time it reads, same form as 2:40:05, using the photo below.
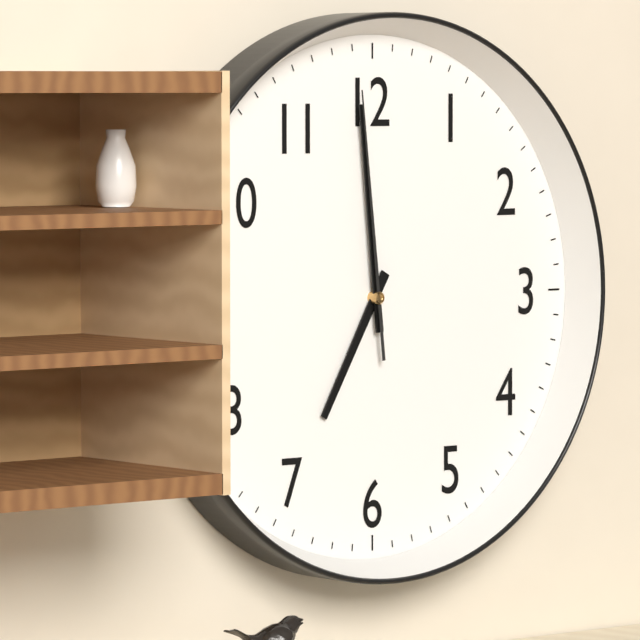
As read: 6:59:59
